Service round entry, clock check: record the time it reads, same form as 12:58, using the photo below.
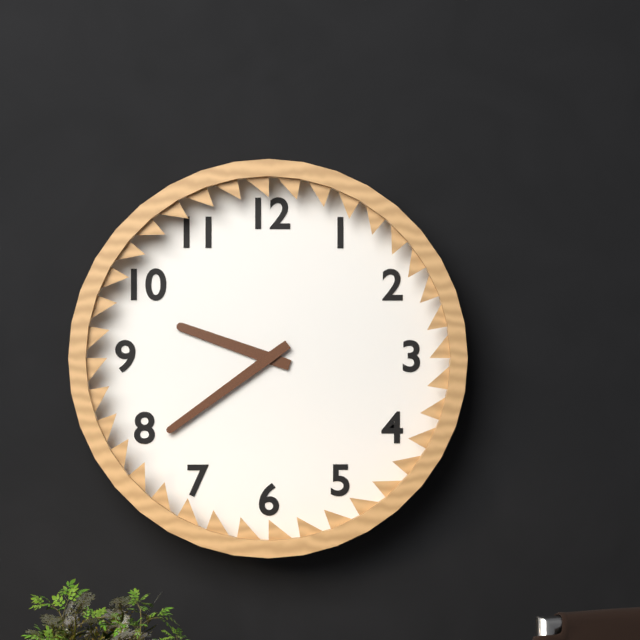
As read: 9:39
